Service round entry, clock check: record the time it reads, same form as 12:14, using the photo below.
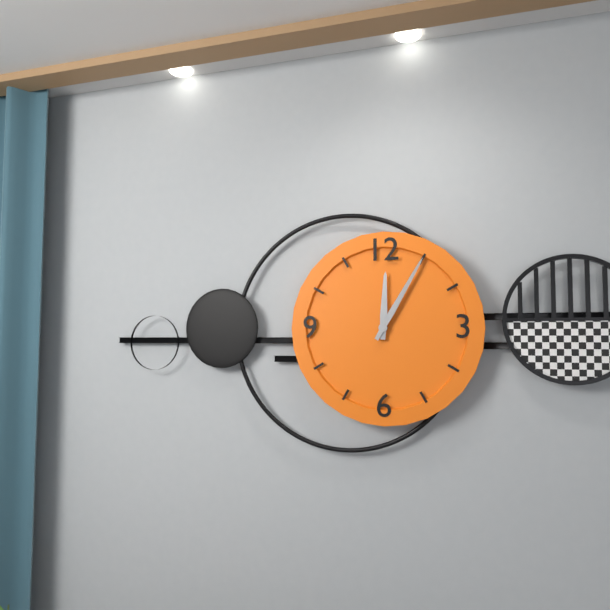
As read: 12:05
